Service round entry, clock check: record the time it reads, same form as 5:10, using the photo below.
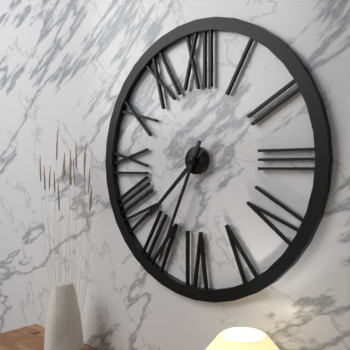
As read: 7:34
